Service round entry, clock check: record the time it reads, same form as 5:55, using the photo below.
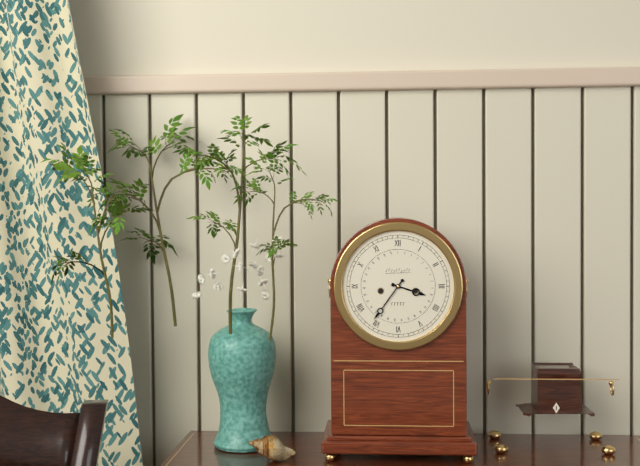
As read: 3:36
